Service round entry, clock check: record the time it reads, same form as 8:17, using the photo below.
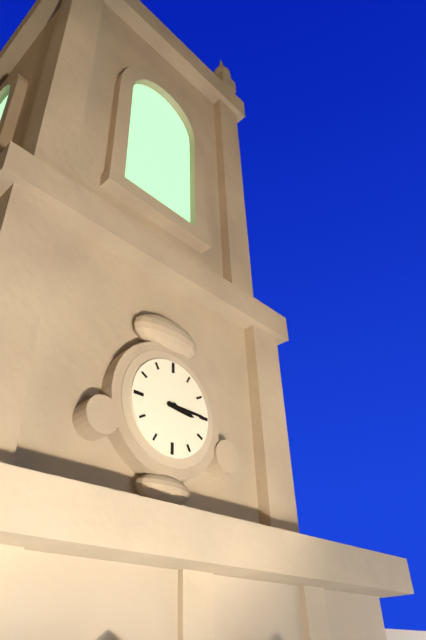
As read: 3:15
